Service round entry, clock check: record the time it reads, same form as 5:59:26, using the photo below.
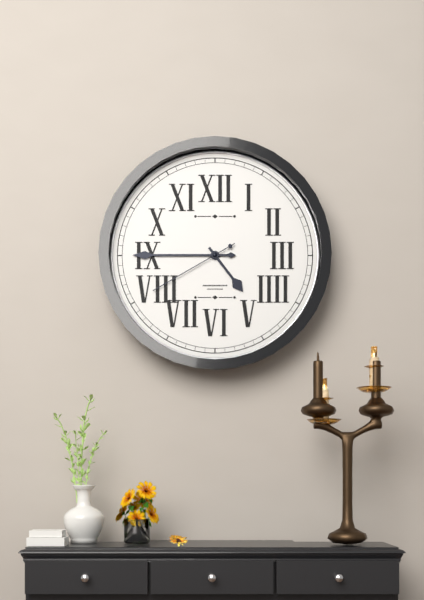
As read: 4:45:40
